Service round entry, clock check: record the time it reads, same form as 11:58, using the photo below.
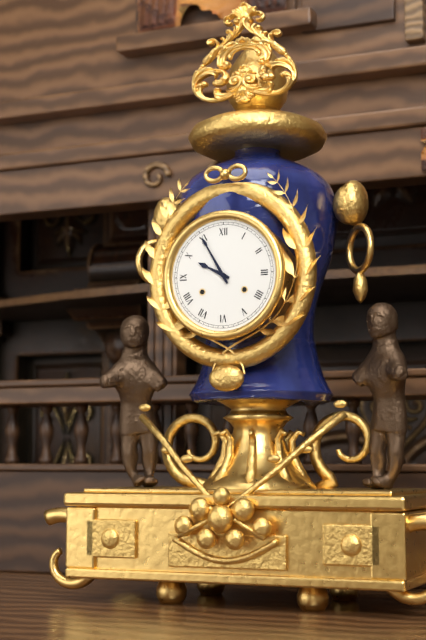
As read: 9:55
